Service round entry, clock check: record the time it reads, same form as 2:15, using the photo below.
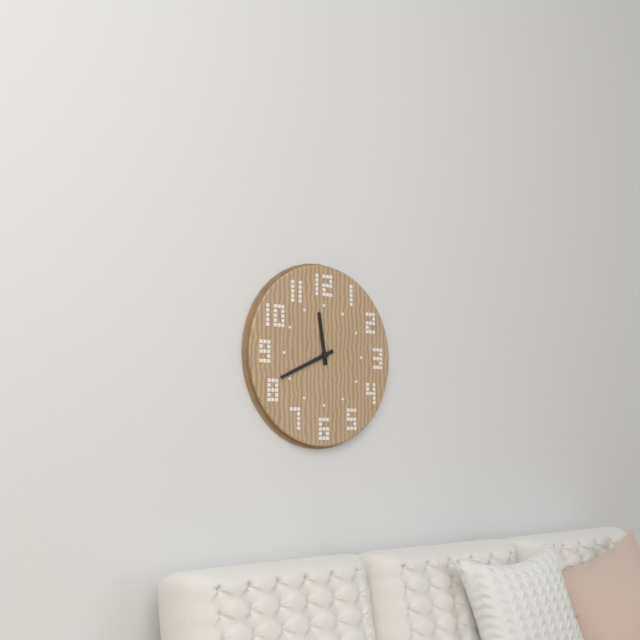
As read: 11:41
